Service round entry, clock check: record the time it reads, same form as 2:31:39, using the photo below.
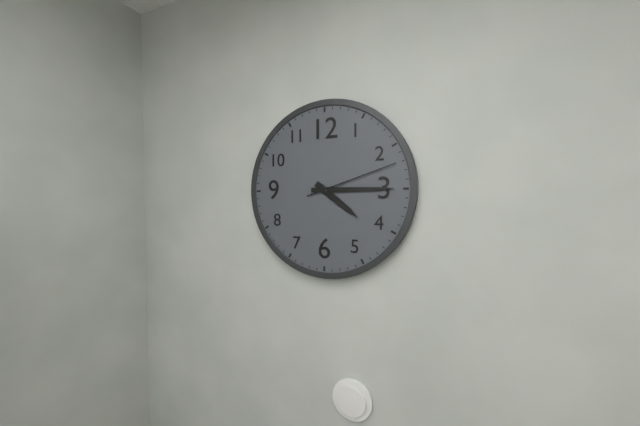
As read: 4:15:12
